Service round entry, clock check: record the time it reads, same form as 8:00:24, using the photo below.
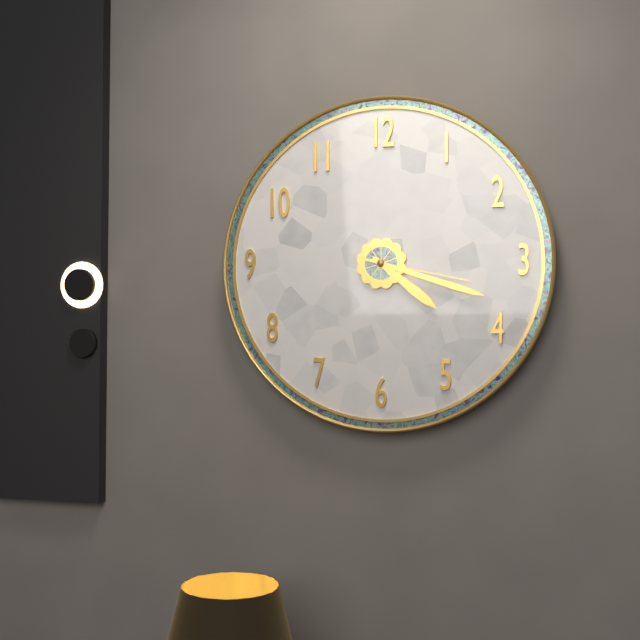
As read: 4:18:17
